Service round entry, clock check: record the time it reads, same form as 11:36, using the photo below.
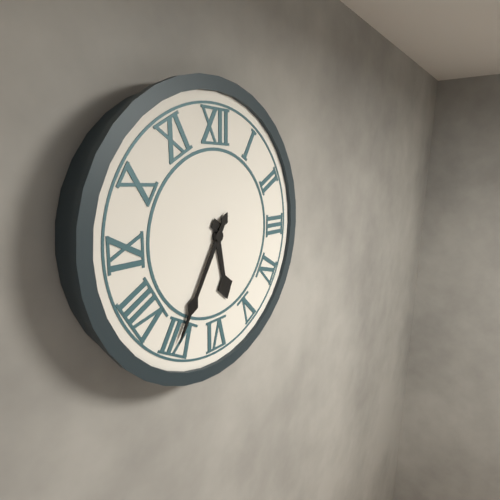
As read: 5:35
